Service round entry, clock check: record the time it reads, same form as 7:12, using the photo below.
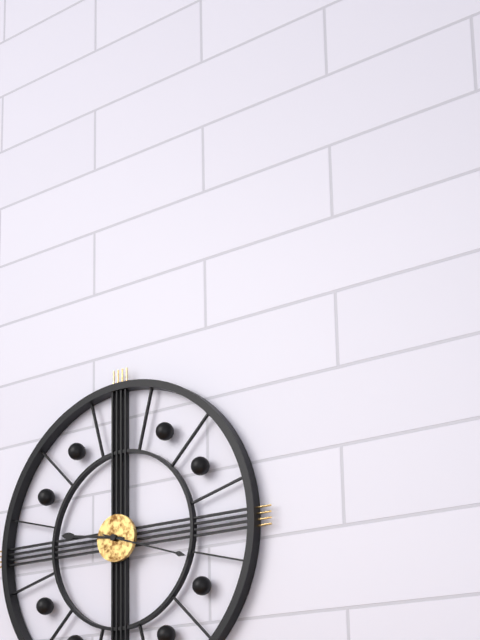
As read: 9:18
